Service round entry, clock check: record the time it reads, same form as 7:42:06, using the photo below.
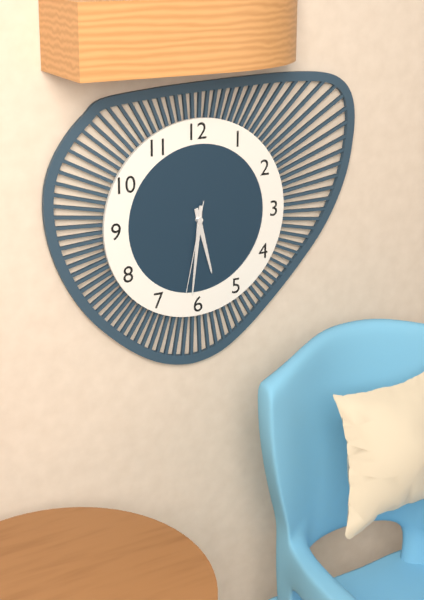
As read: 5:31:32
